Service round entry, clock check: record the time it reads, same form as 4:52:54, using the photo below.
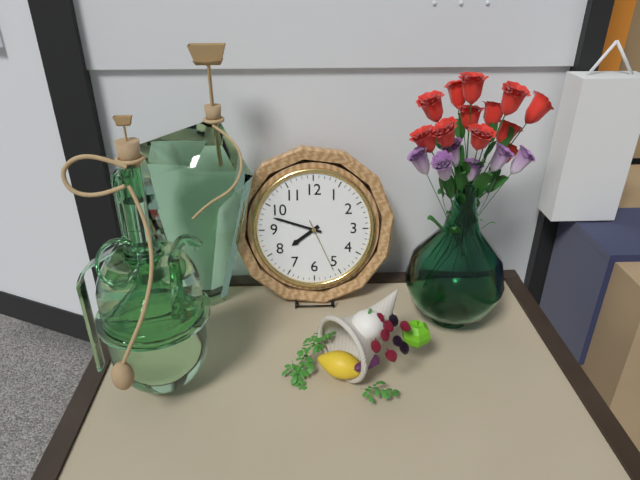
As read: 7:48:26
